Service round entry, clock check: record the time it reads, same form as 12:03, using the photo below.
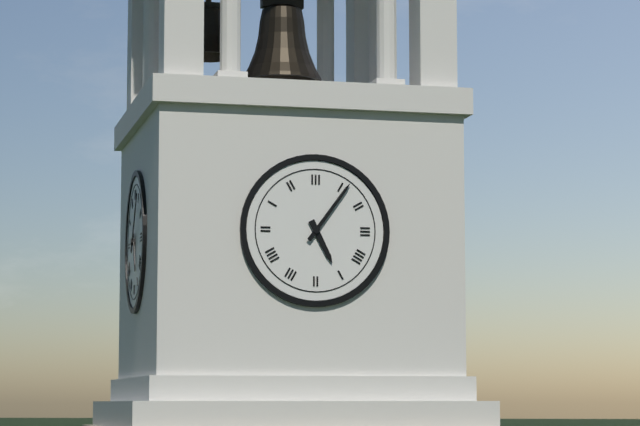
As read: 5:06
